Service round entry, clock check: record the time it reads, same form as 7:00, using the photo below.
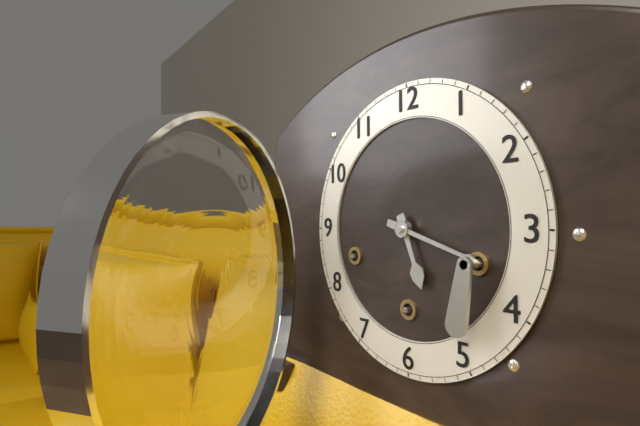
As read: 5:18
